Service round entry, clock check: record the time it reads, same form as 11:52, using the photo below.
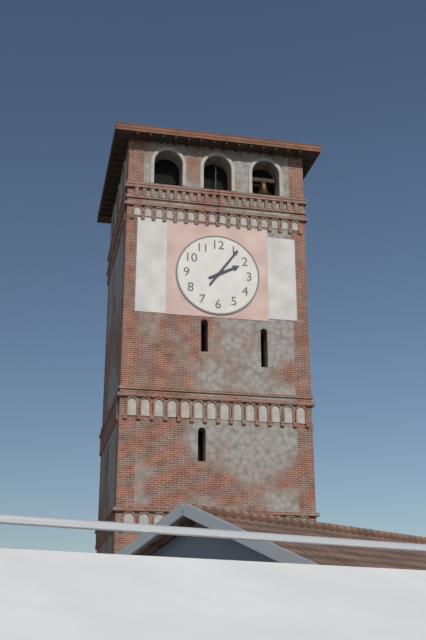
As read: 2:06
